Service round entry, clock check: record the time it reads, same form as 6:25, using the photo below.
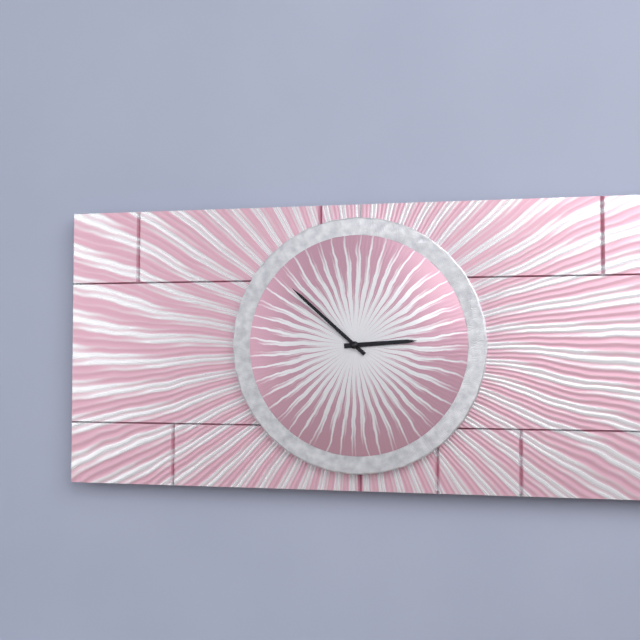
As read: 2:52
